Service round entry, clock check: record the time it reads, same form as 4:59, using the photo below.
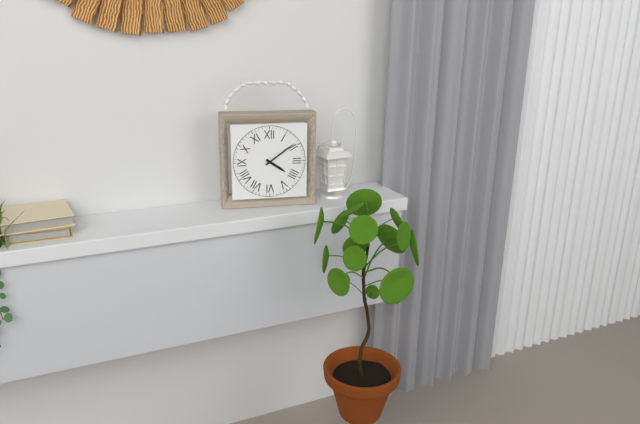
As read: 4:09
